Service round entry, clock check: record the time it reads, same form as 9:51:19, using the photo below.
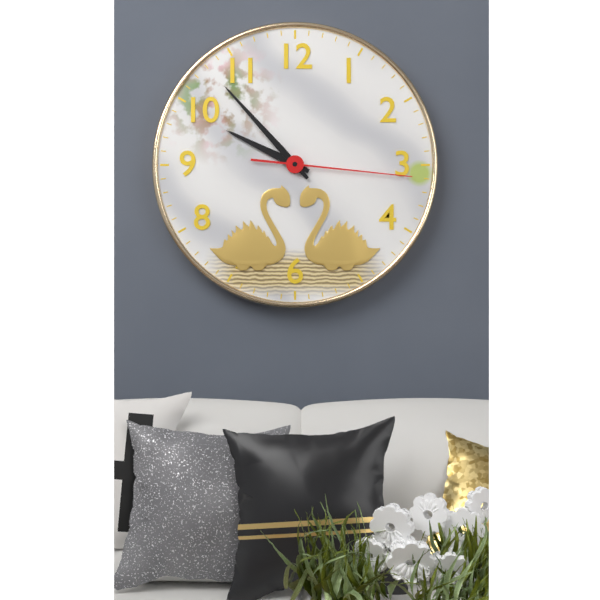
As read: 9:53:16
